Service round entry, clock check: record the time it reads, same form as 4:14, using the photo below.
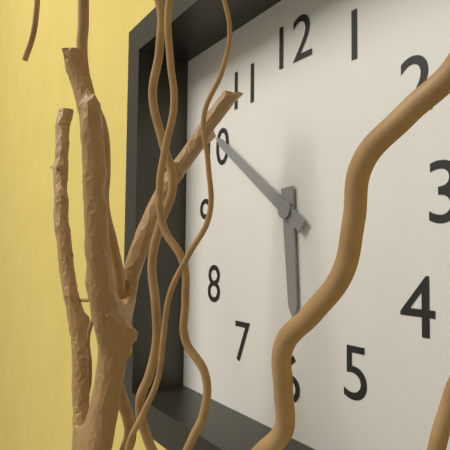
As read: 5:51
